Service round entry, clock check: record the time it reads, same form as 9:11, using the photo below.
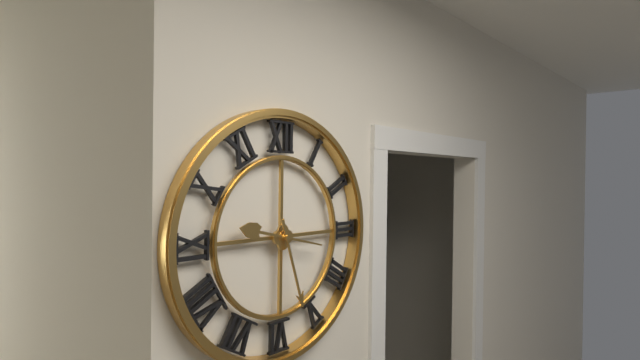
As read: 9:27
